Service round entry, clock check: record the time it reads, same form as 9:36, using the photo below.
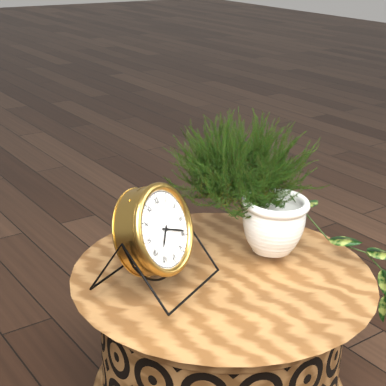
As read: 7:19
